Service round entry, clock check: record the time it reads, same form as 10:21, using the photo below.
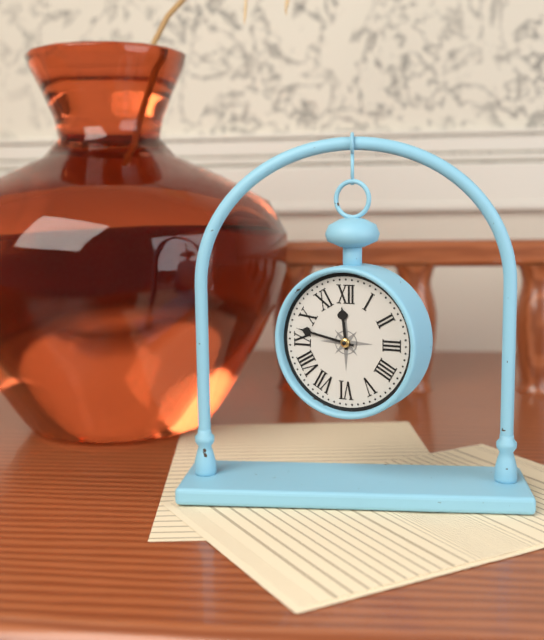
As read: 11:47
